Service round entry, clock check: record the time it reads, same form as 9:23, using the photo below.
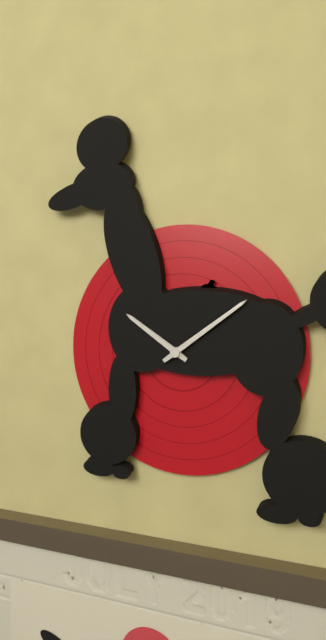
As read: 10:09
